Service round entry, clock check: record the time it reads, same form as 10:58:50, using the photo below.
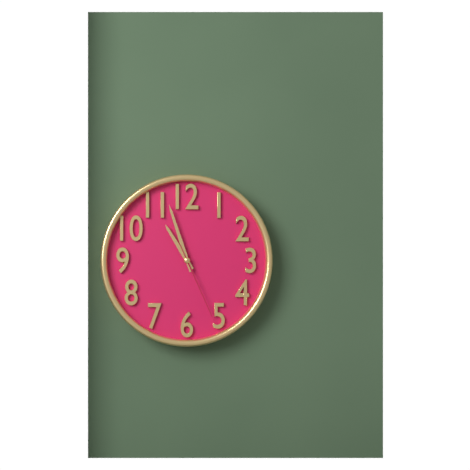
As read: 10:57:26
